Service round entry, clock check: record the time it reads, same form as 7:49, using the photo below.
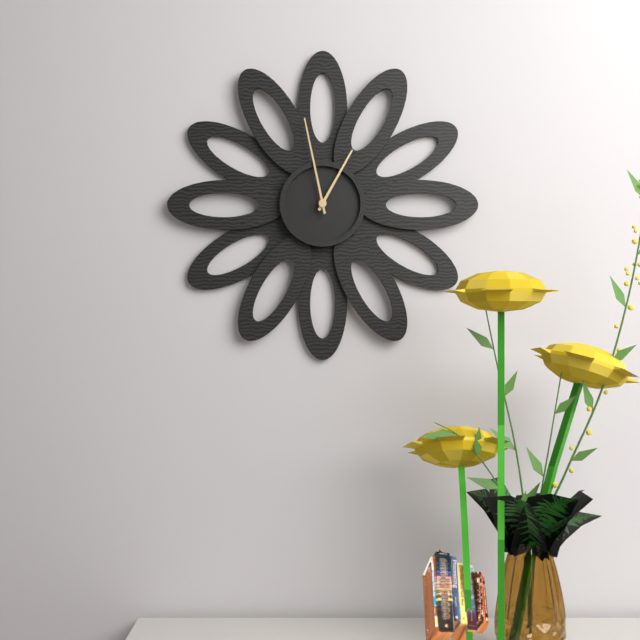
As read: 12:58
